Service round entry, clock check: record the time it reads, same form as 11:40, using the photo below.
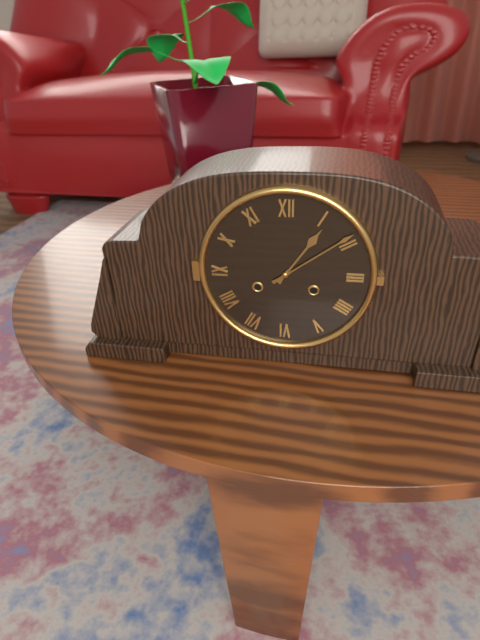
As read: 1:09
